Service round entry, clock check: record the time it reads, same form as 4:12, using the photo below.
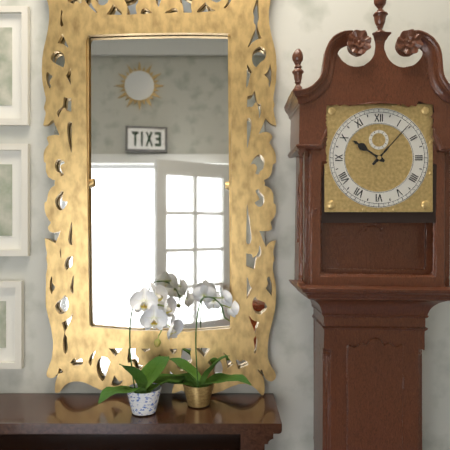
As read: 10:07
